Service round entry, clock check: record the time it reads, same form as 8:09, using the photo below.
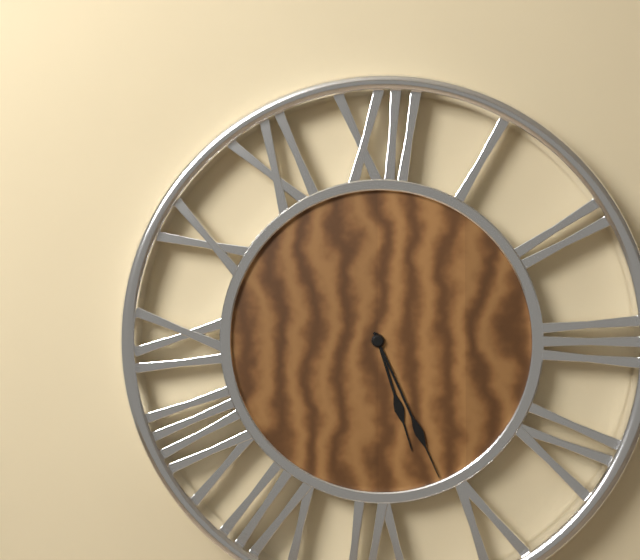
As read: 5:26
